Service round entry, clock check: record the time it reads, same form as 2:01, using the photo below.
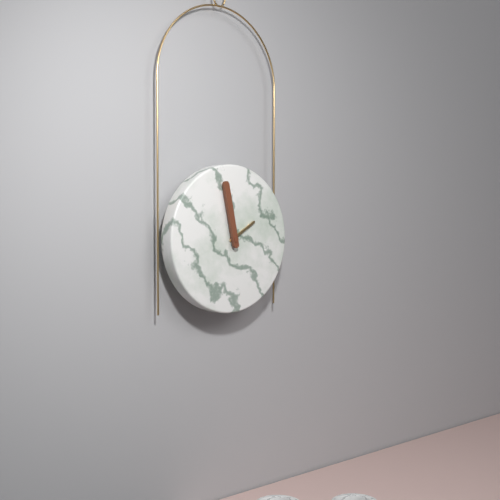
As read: 1:58
